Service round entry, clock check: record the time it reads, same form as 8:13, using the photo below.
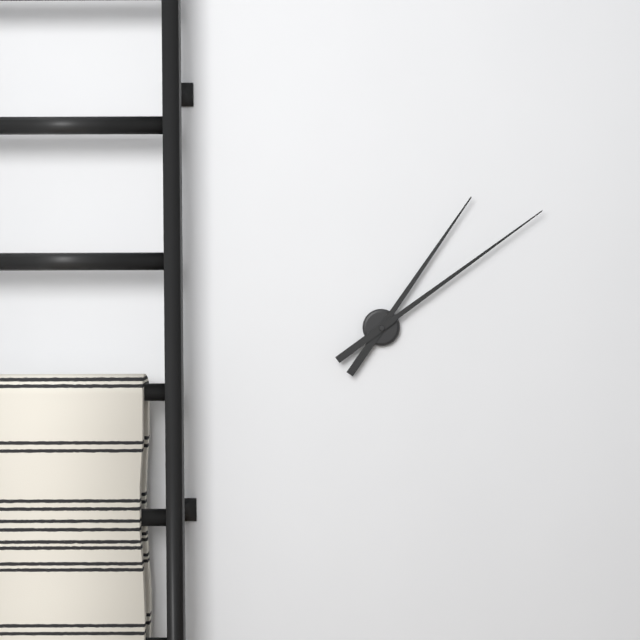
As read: 1:09
